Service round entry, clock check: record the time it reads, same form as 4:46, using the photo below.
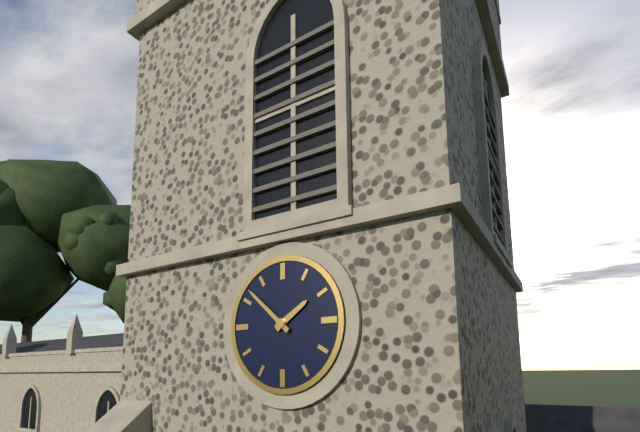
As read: 1:52
